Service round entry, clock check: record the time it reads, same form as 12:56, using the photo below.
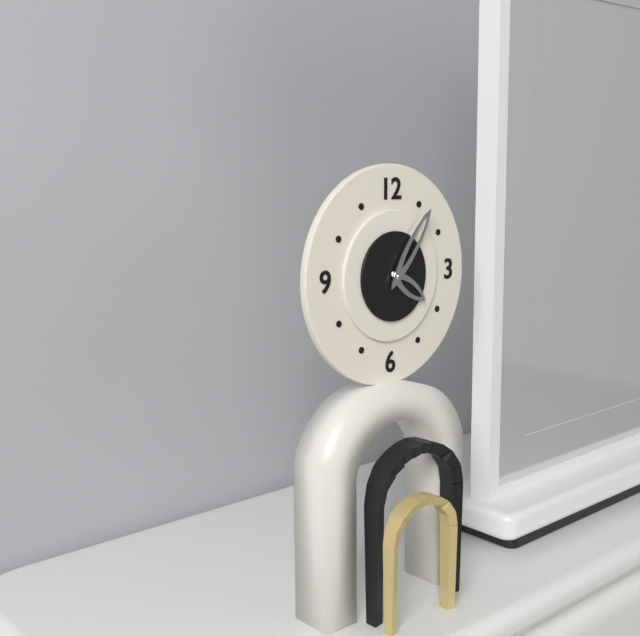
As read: 4:06
